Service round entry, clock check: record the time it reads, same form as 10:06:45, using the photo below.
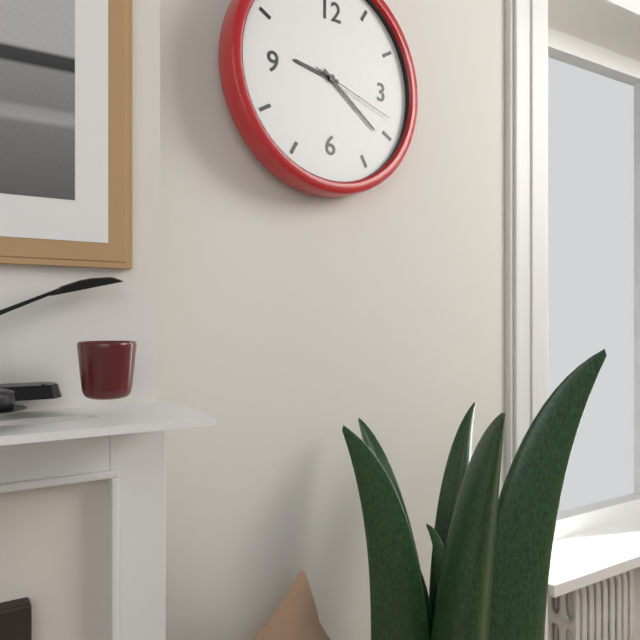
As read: 9:21:18
